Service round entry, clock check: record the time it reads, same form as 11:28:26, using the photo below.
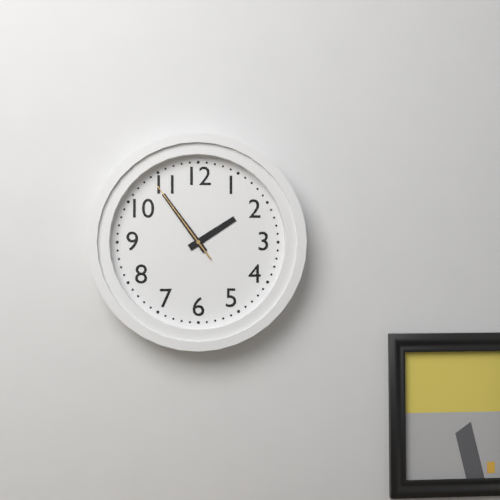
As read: 1:54:54
